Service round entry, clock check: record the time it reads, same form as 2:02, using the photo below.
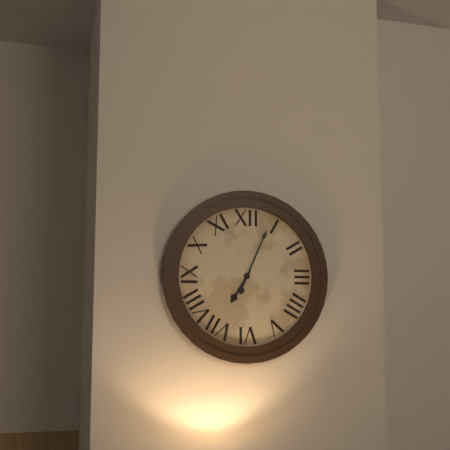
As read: 7:04
